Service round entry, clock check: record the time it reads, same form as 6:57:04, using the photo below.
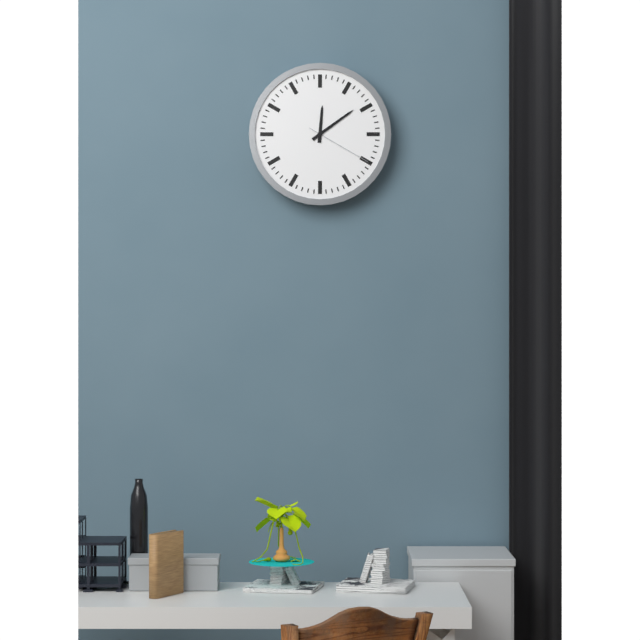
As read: 12:09:20
